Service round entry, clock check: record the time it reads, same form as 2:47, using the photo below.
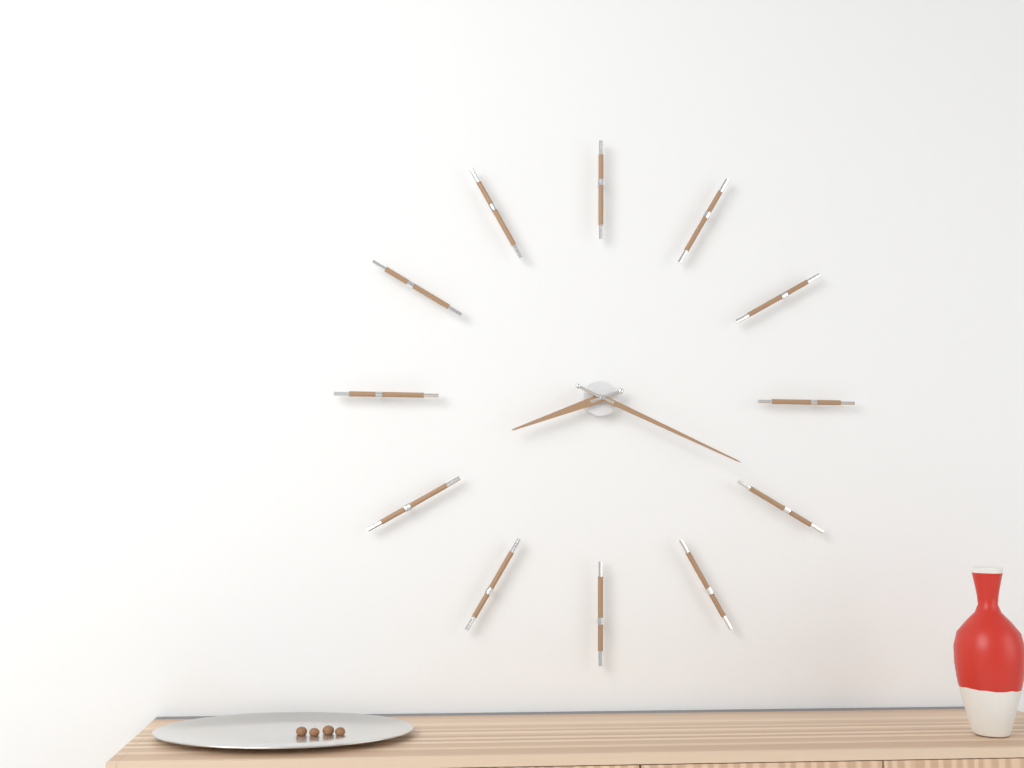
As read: 8:19
